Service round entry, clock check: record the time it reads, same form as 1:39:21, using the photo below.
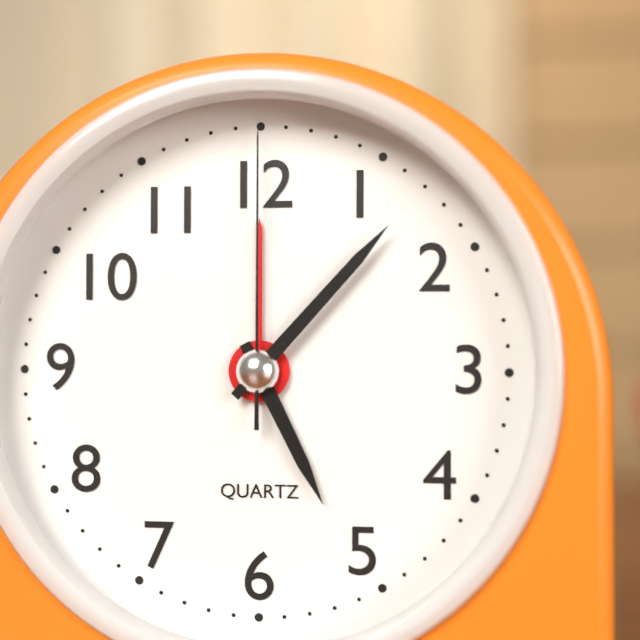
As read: 5:07:00
